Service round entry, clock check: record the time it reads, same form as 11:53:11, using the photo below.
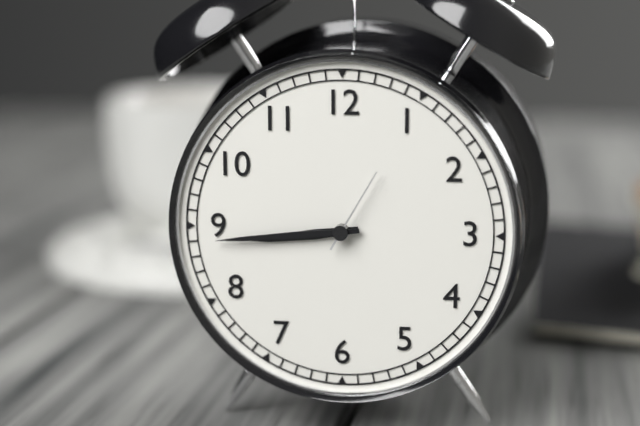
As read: 8:44:05
